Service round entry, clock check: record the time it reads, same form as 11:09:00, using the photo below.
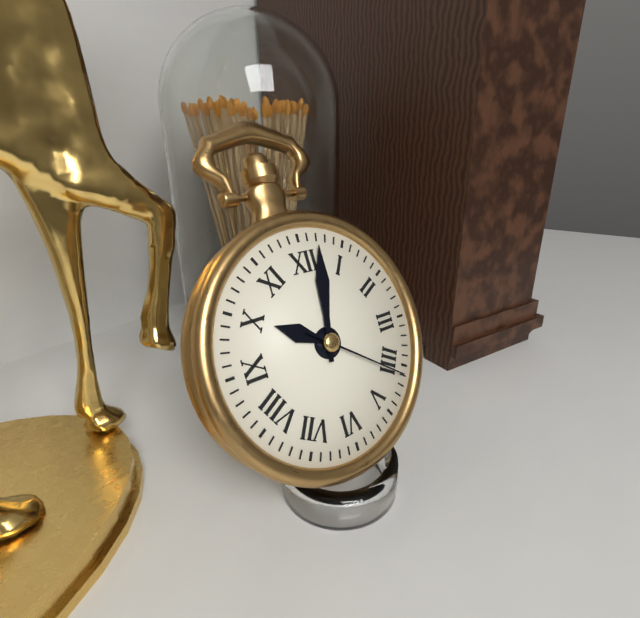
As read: 10:02:21
